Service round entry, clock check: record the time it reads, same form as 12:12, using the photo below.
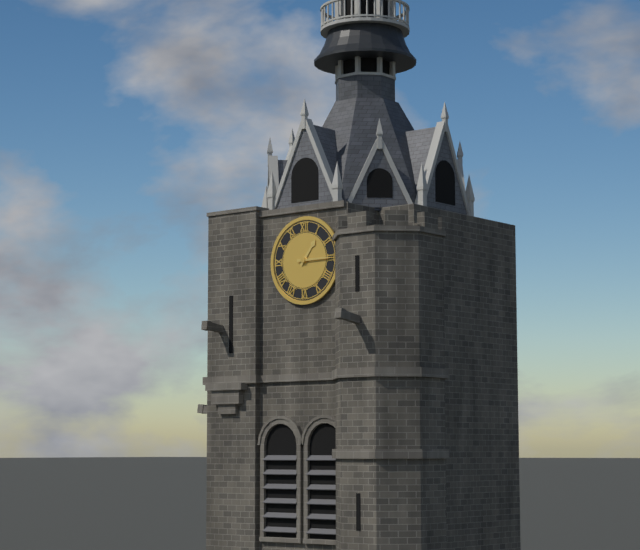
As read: 1:15
